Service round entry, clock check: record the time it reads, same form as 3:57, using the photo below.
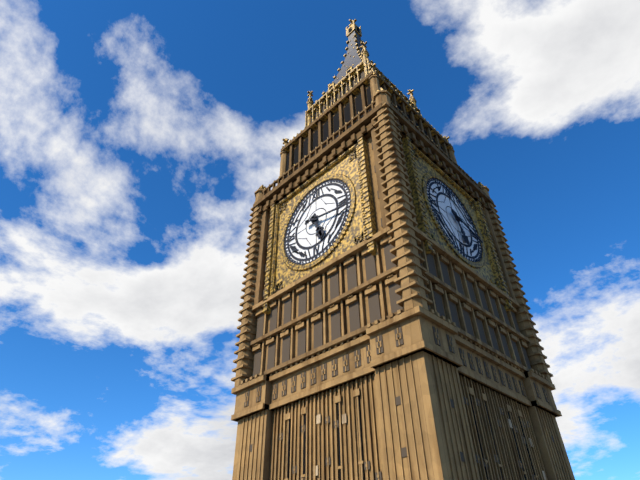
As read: 5:17
